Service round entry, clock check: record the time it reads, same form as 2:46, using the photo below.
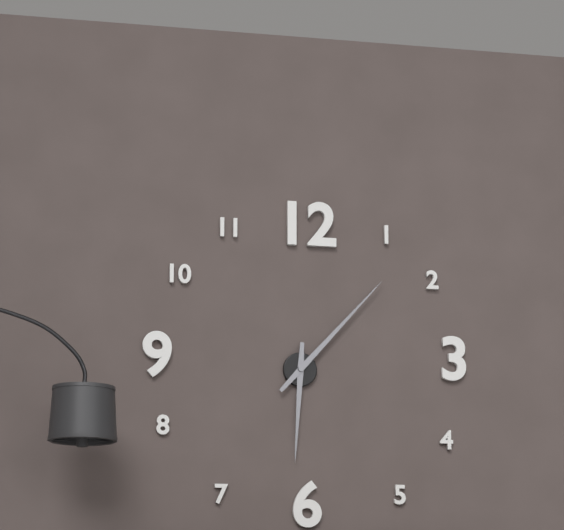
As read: 6:07
